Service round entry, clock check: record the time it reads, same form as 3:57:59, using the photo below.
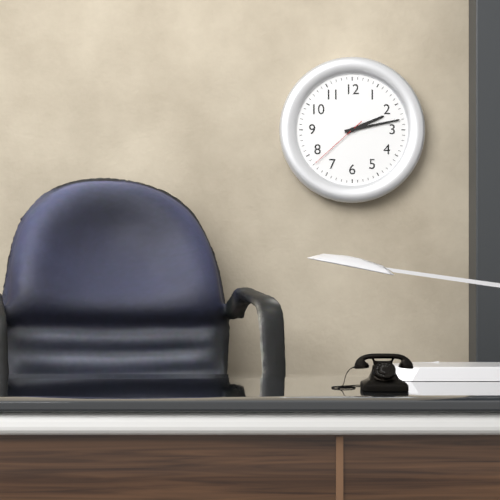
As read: 2:13:38
